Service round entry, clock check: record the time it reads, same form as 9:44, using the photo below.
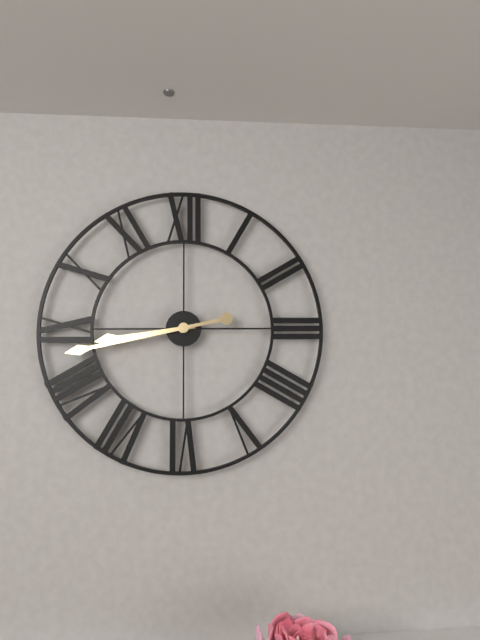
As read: 8:43
